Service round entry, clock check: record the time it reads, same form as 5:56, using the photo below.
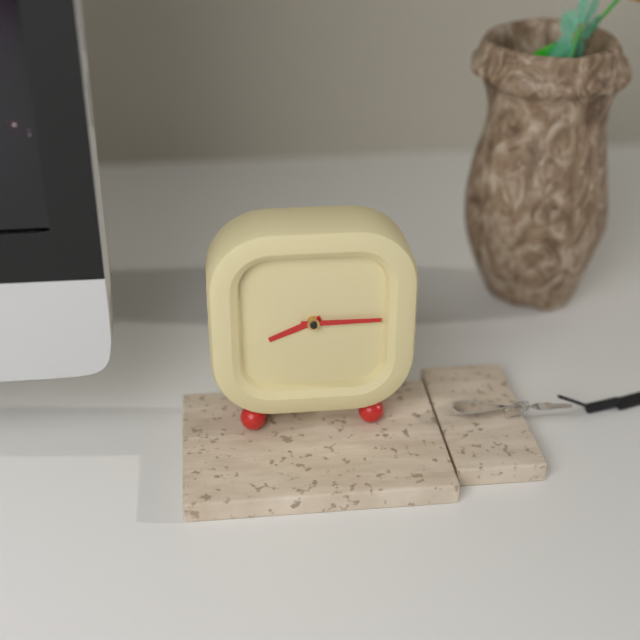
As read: 8:15
